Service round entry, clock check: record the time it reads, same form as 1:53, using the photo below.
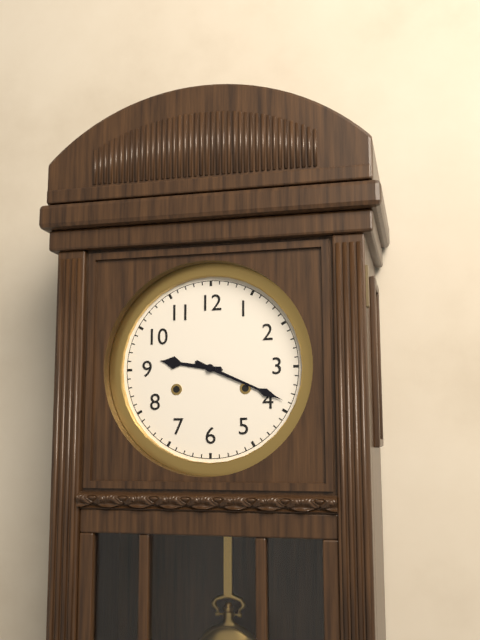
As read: 9:19
